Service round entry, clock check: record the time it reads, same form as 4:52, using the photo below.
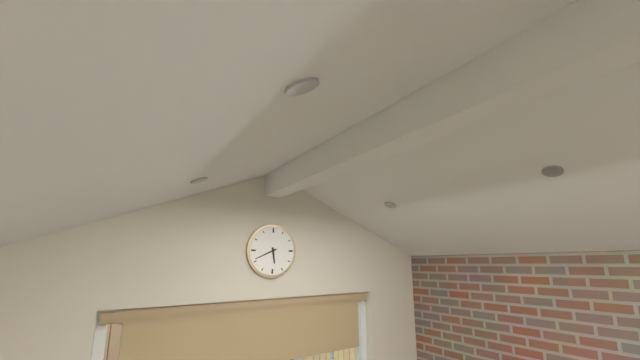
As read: 5:41
